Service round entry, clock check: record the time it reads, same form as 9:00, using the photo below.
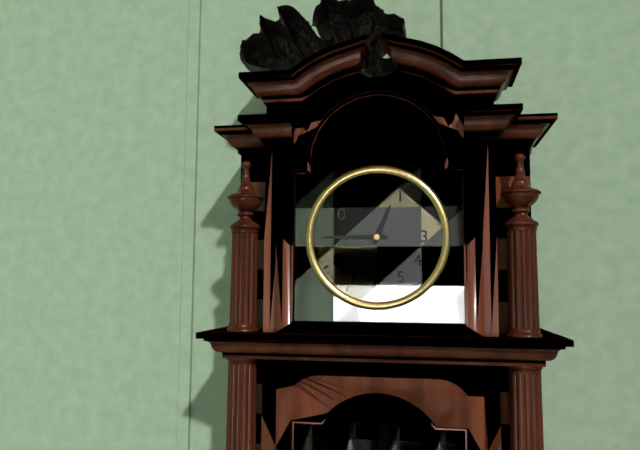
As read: 12:45
